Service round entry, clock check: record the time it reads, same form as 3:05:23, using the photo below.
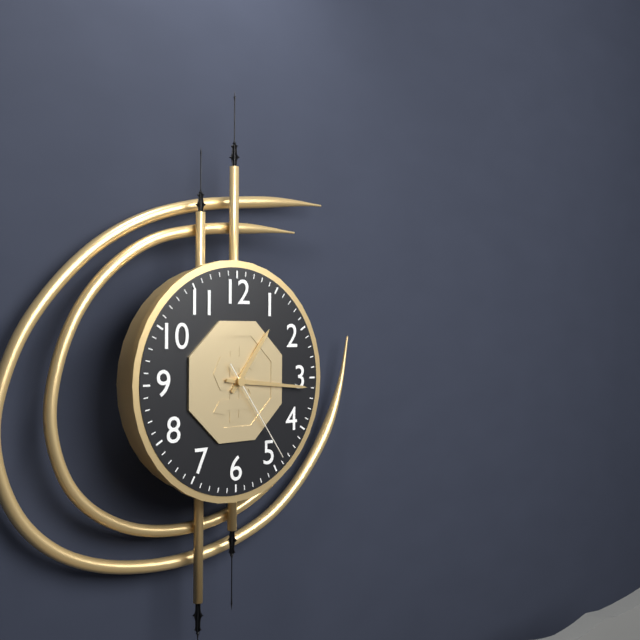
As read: 1:16:24
